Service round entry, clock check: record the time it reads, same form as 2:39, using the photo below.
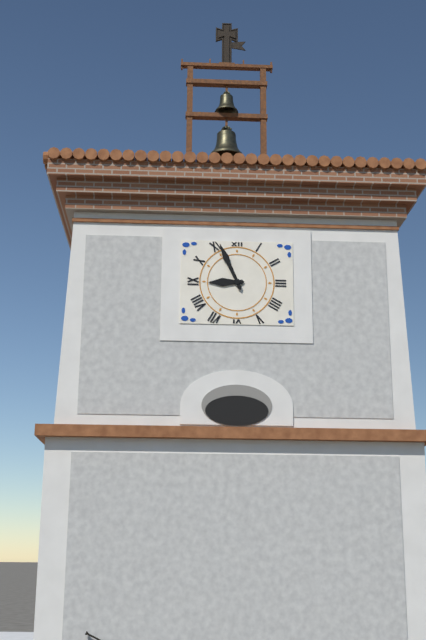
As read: 8:56
